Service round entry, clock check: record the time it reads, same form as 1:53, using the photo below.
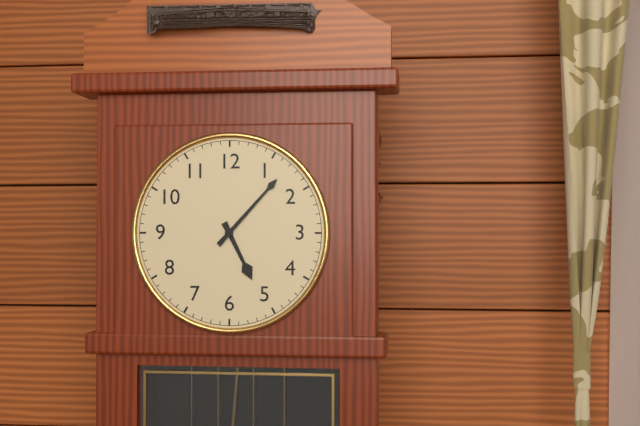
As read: 5:07
